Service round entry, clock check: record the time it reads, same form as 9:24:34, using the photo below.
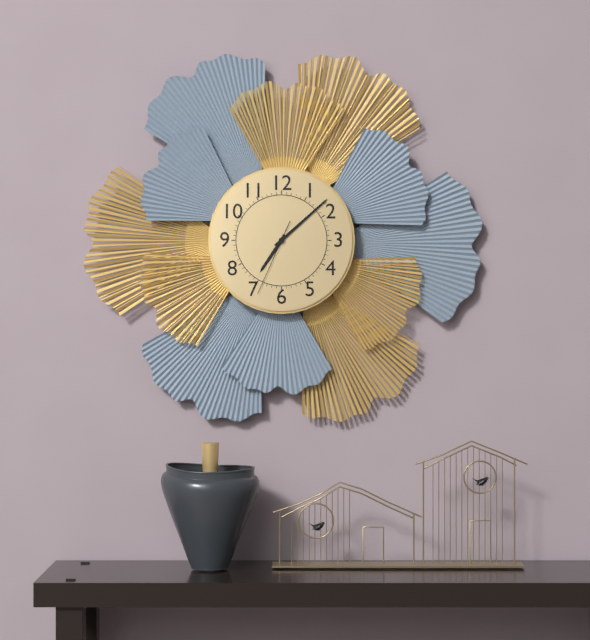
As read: 7:08:34
